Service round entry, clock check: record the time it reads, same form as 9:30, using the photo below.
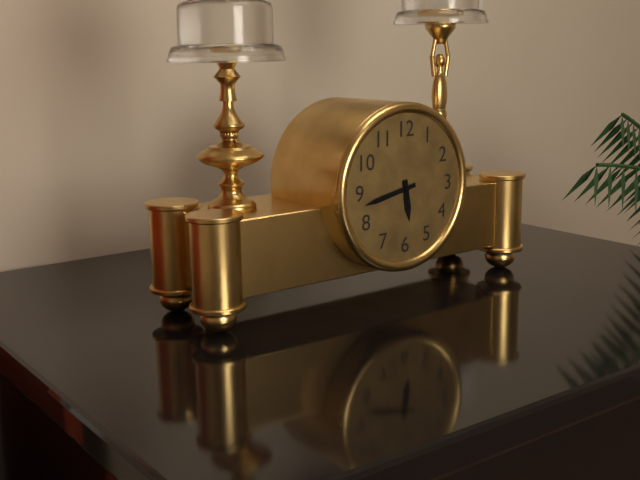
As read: 5:43
